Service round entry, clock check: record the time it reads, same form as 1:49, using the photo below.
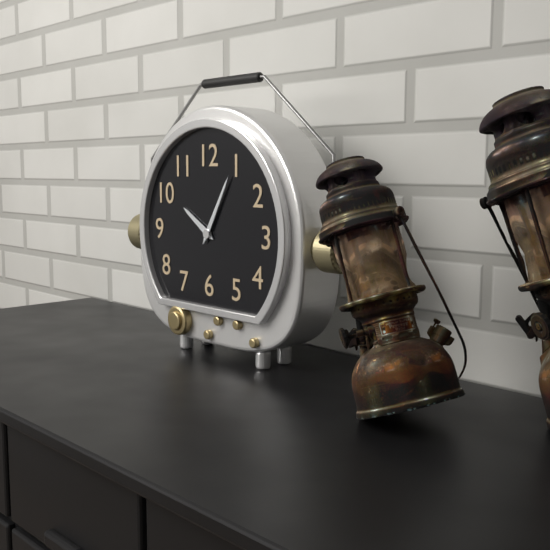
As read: 10:05
